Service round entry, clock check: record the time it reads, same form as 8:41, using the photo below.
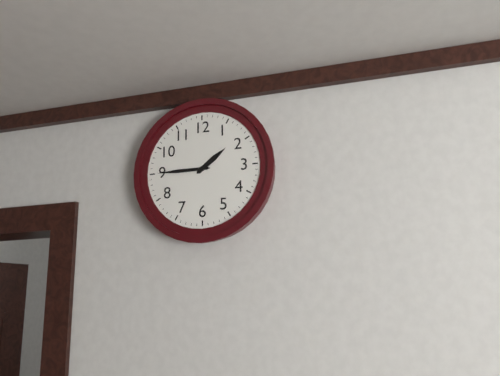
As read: 1:45
